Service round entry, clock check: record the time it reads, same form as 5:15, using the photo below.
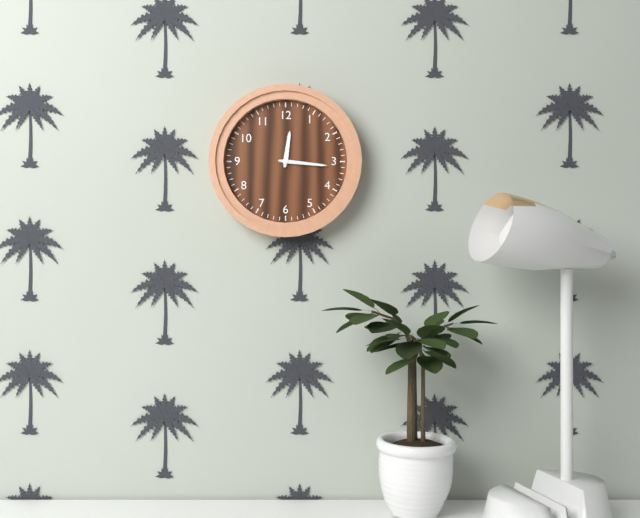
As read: 12:16
